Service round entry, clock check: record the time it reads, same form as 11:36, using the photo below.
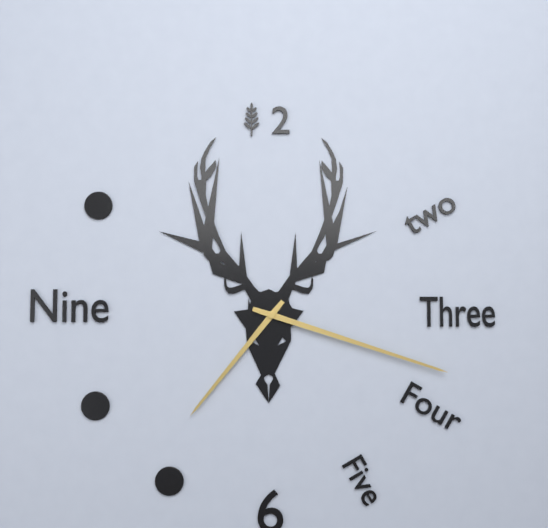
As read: 7:18
